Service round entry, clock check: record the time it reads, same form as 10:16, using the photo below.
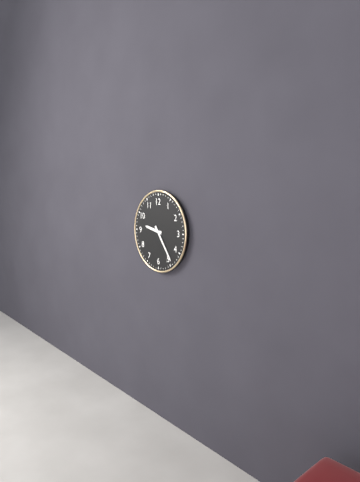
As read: 9:24
